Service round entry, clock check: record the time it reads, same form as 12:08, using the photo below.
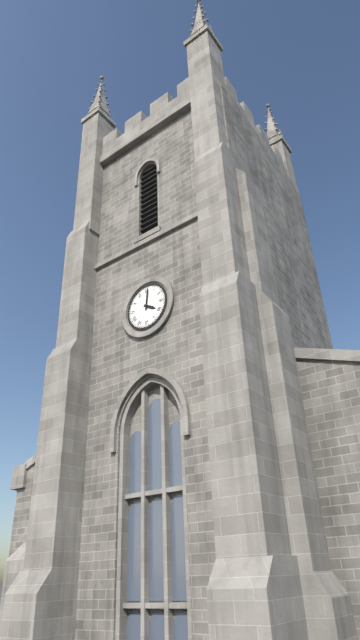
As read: 4:01
